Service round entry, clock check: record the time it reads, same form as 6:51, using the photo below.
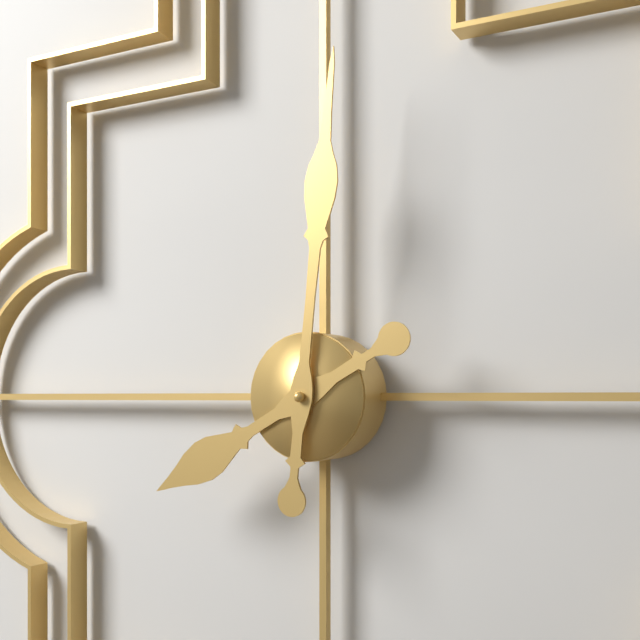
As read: 8:01
